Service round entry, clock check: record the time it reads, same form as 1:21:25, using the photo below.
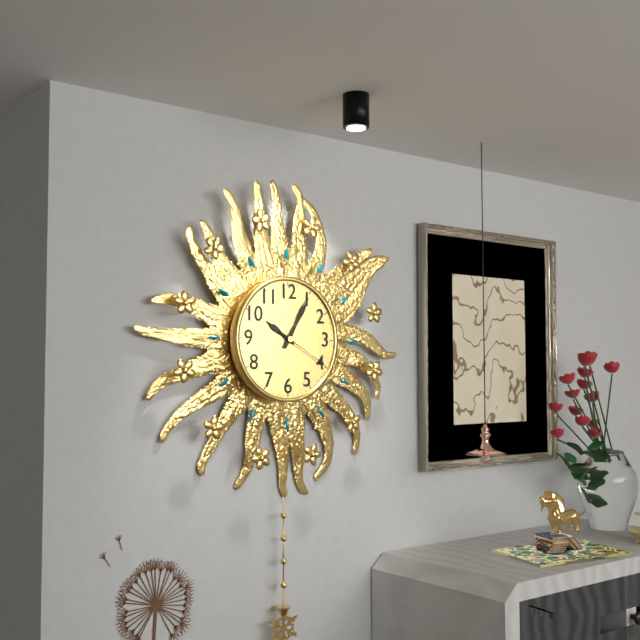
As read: 10:05:20
